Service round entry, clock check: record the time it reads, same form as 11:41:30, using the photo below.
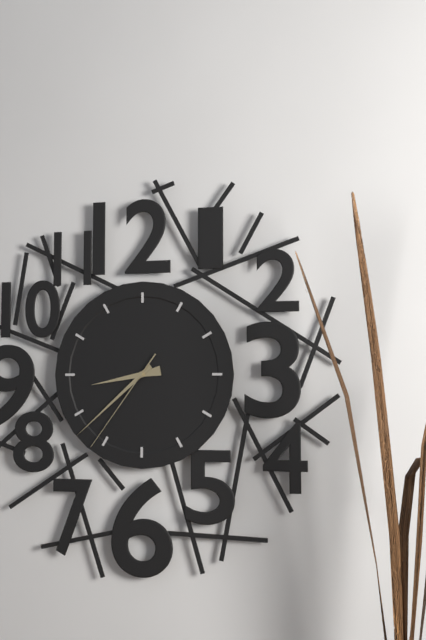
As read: 8:38:36
